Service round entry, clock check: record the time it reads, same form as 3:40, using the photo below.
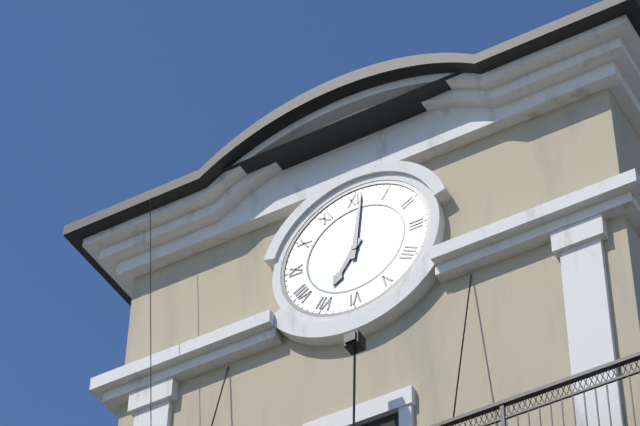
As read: 7:01
